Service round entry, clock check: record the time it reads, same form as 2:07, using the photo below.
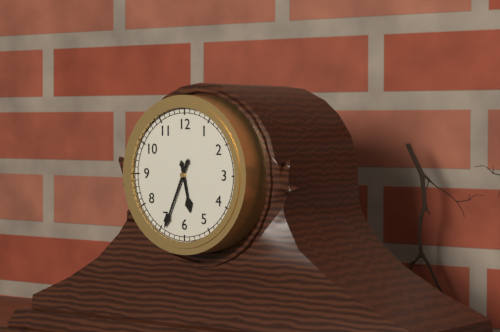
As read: 5:34
